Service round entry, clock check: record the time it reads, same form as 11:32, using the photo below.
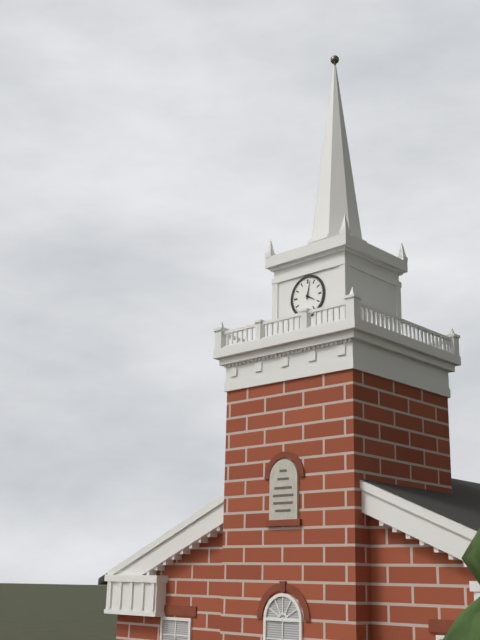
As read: 4:02
